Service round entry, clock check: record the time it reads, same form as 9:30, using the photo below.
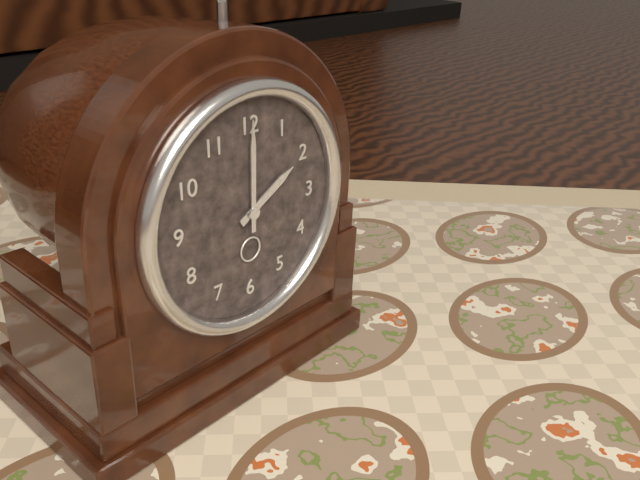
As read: 2:00
